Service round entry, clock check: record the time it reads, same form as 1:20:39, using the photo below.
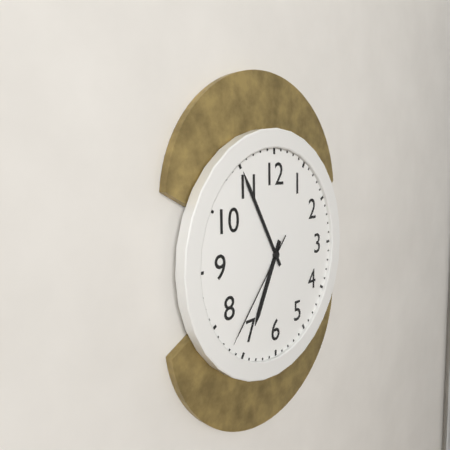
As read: 6:55:37
